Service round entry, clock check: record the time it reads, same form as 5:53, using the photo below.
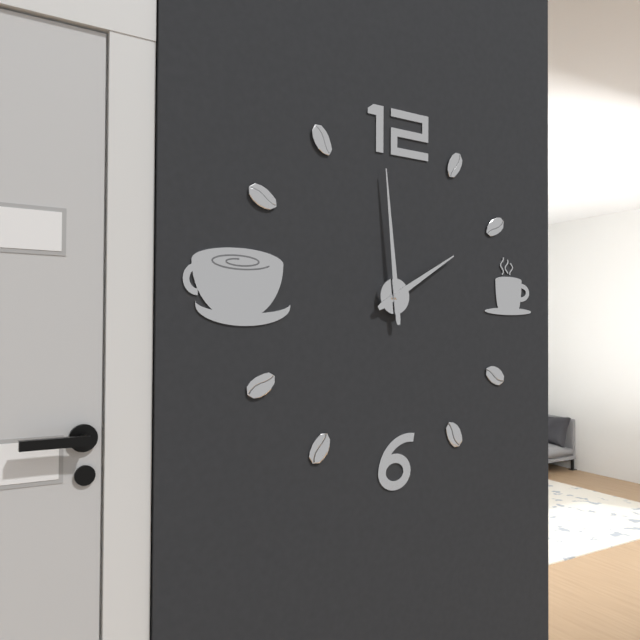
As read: 1:59
